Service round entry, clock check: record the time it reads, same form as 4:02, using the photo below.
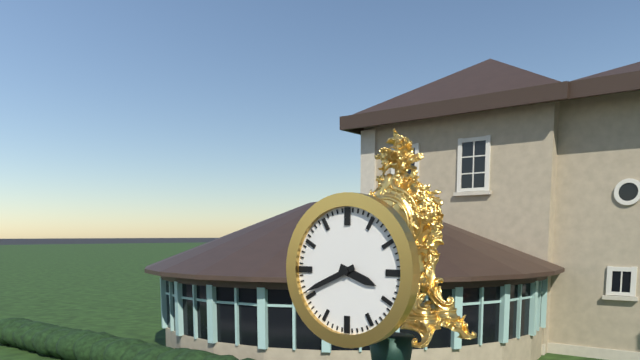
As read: 3:41
